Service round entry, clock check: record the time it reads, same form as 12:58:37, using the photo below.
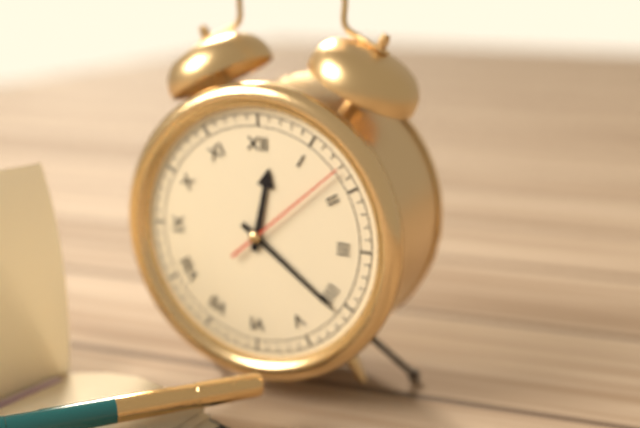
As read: 12:21:08
